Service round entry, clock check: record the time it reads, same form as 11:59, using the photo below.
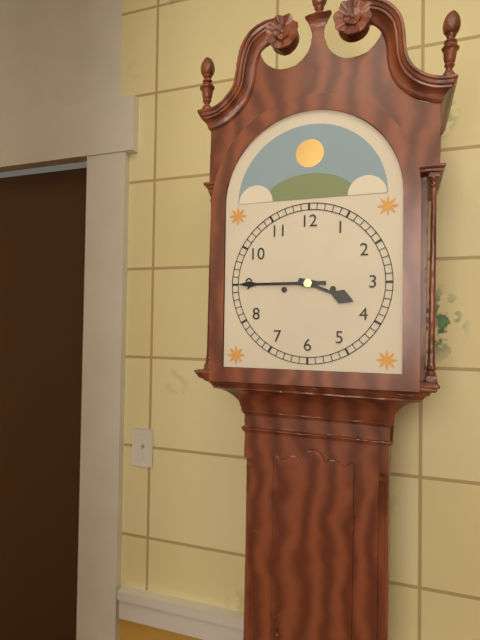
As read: 3:45
